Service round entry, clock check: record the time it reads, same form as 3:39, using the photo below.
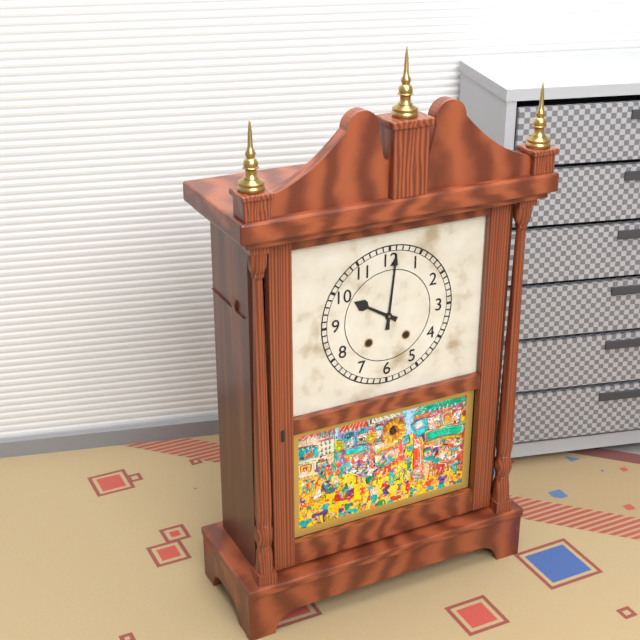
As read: 10:01
